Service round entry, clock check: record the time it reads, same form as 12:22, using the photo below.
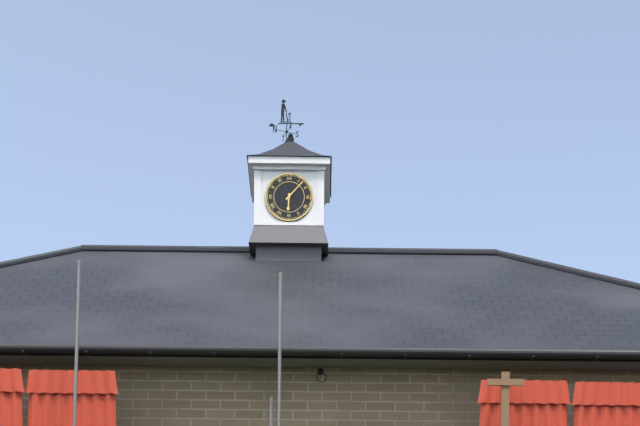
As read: 6:07
